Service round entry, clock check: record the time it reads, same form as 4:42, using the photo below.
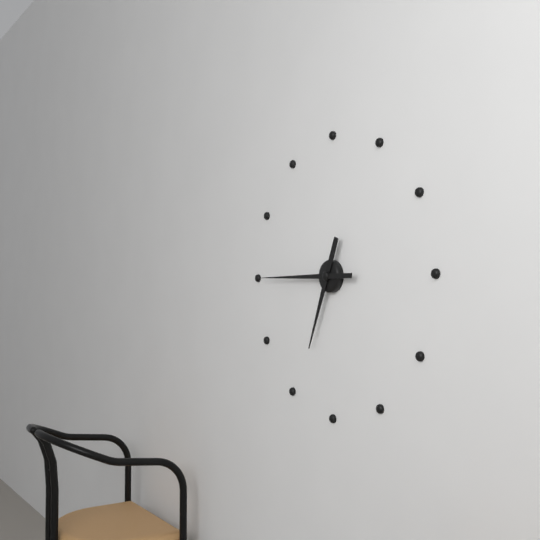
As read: 6:45
